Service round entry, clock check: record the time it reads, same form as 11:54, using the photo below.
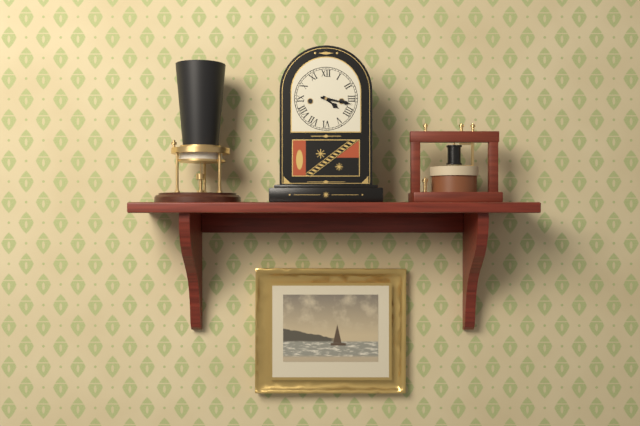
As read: 4:17
